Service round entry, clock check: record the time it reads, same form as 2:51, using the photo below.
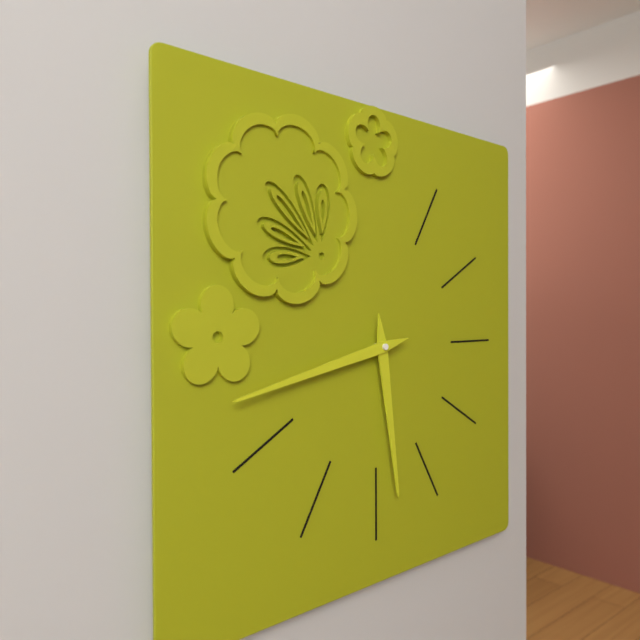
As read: 5:43
